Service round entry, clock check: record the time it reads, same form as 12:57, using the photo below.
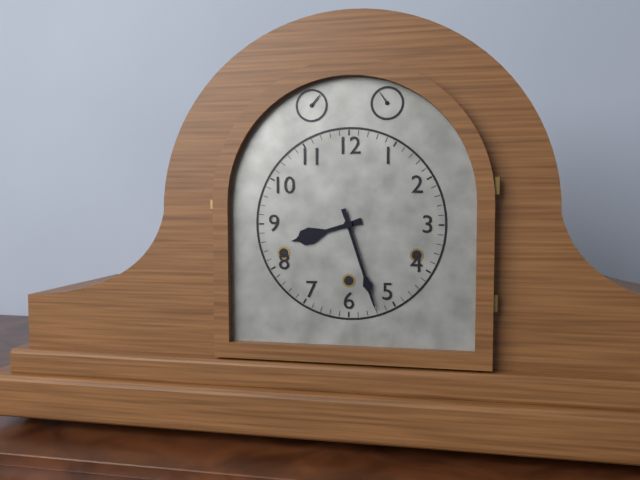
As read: 8:27
